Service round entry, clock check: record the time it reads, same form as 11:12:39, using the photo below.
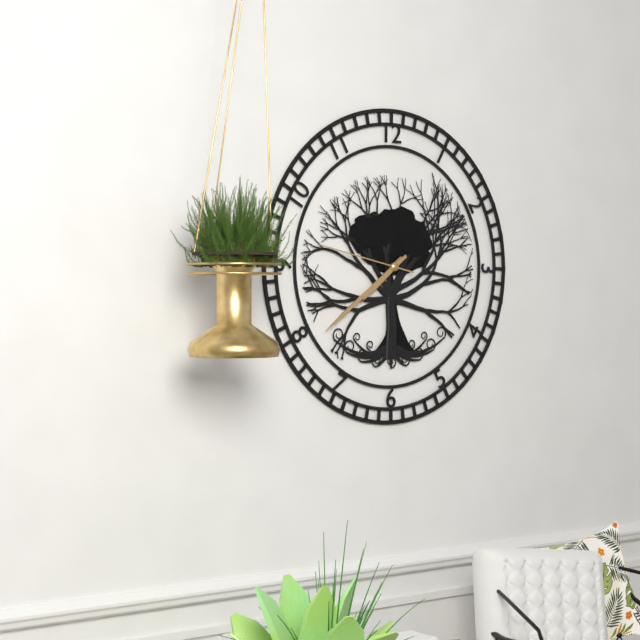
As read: 7:39:47
